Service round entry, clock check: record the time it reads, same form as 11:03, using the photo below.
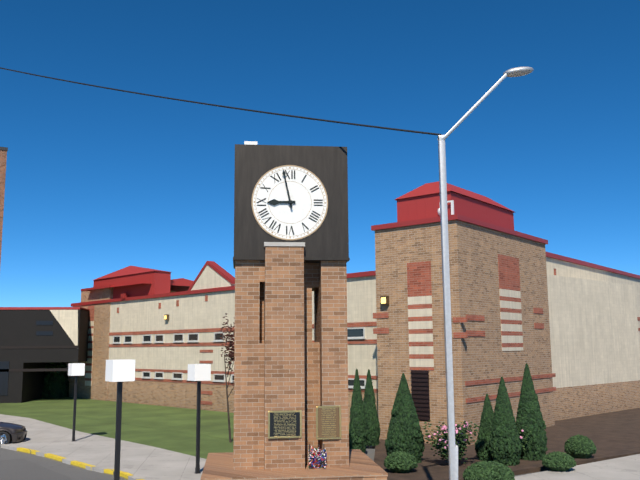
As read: 8:58
